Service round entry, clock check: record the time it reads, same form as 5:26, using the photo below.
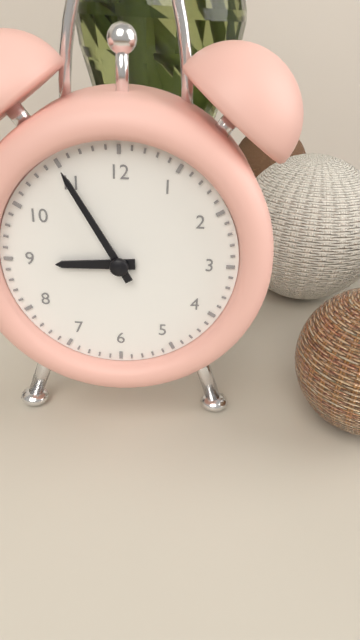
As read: 8:55
